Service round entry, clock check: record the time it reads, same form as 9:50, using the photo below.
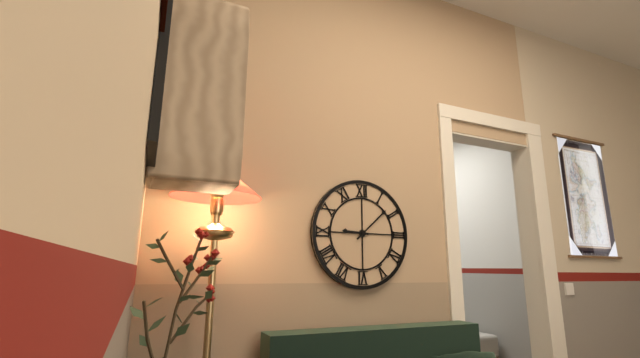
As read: 9:08
